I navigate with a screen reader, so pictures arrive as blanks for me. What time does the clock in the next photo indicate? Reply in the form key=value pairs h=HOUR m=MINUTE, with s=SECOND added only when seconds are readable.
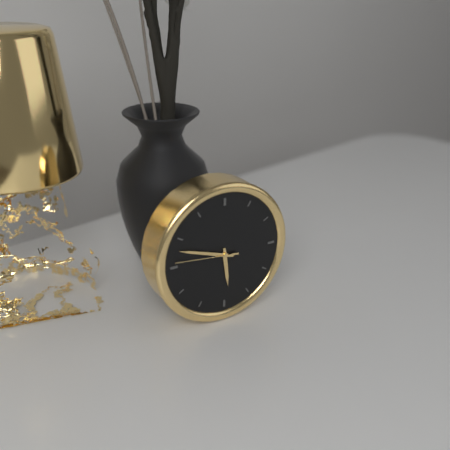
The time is h=5 m=48 s=46
